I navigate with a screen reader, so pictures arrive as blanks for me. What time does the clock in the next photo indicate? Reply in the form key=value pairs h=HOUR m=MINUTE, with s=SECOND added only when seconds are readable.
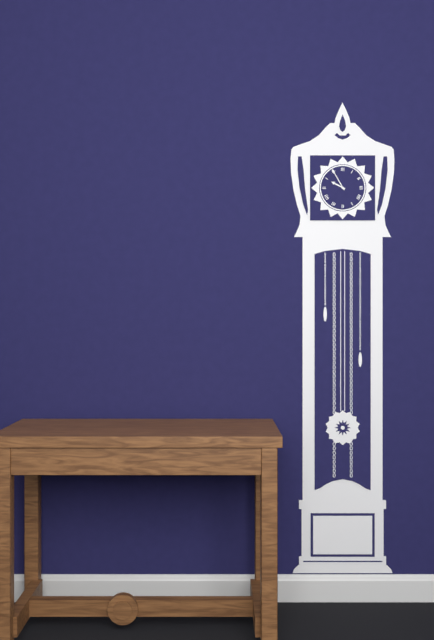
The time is h=9 m=55
